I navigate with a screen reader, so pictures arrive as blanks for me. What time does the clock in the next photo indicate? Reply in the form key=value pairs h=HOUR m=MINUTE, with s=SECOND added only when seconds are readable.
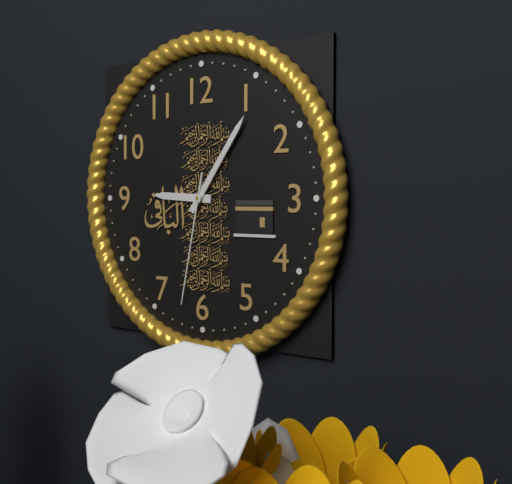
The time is h=9 m=6 s=32
